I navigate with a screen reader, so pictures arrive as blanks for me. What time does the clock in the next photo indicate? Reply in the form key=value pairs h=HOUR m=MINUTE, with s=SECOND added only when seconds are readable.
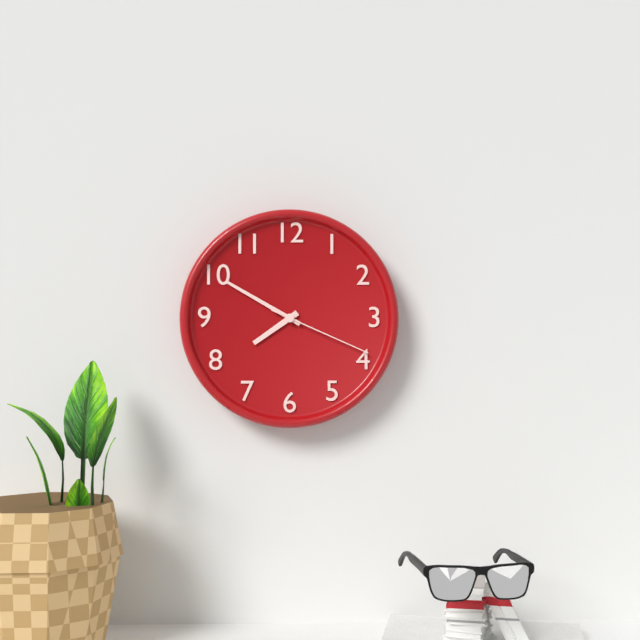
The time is h=7 m=50 s=19
